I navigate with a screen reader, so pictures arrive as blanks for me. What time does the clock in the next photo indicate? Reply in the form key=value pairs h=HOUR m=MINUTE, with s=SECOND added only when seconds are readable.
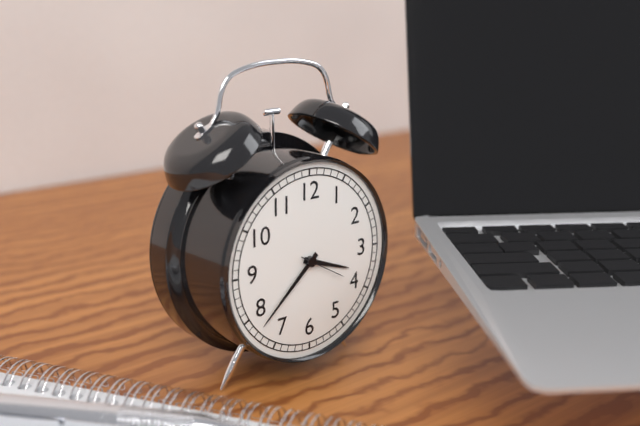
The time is h=3 m=38
